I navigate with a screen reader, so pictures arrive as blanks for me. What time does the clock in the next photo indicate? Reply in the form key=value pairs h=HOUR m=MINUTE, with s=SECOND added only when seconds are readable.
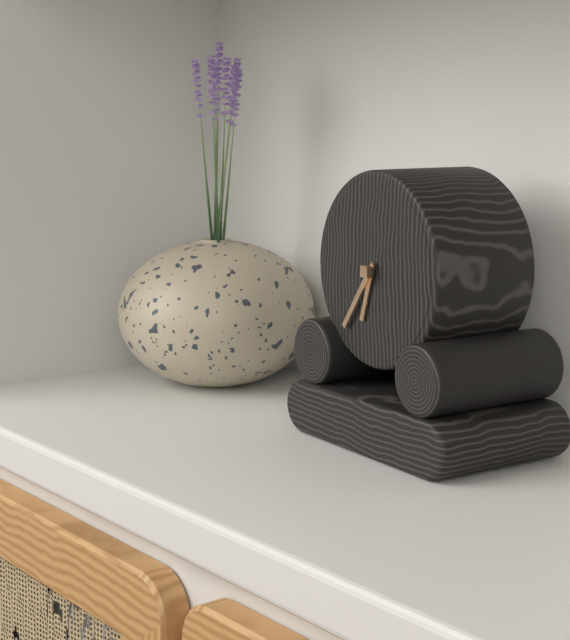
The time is h=6 m=36
